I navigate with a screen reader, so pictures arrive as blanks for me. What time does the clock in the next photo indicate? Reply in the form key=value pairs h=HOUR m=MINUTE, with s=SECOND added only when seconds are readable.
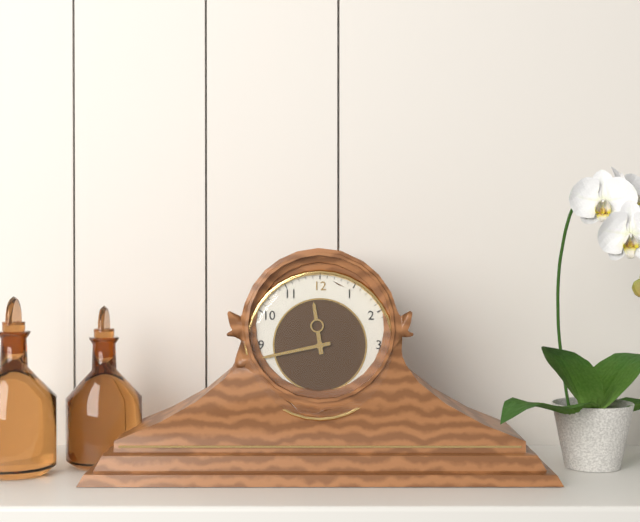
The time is h=11 m=43
